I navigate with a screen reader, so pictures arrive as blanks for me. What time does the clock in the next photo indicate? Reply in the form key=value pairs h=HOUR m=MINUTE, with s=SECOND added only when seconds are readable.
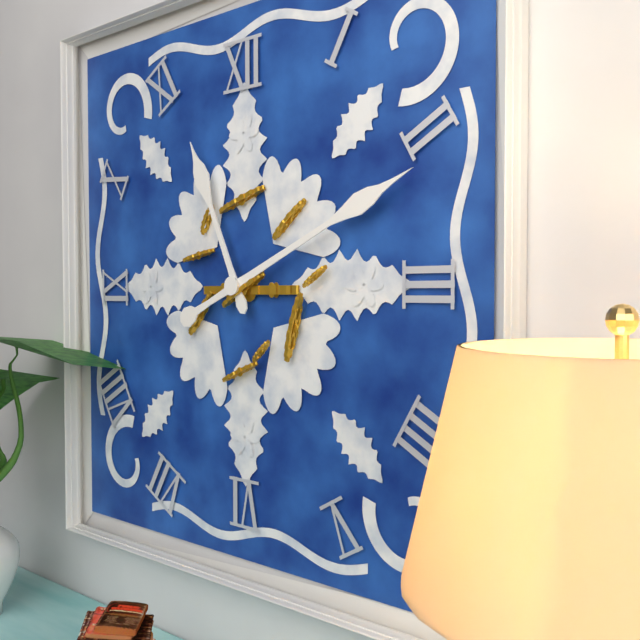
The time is h=11 m=11
